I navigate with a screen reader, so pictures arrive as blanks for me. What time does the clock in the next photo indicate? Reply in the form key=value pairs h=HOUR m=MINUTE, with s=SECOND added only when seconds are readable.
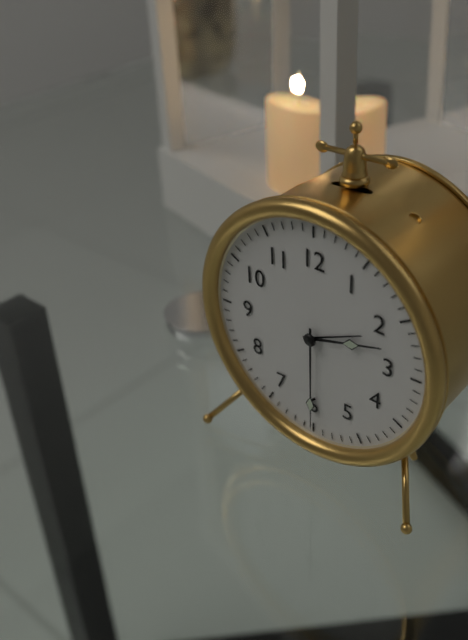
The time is h=2 m=30
